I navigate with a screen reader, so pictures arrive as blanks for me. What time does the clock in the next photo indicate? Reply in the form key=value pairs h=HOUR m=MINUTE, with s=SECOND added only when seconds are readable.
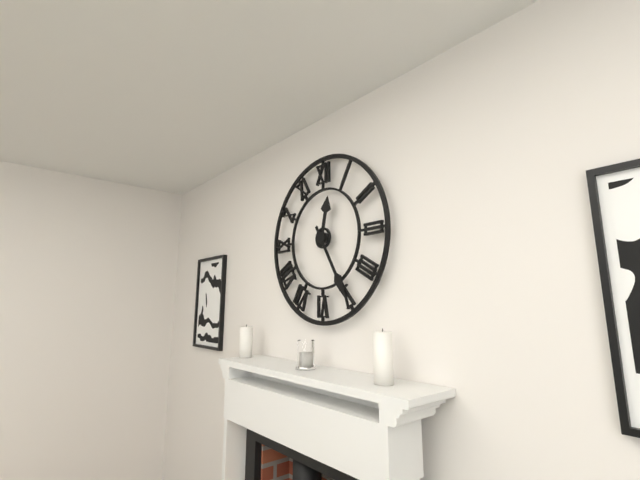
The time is h=12 m=25
